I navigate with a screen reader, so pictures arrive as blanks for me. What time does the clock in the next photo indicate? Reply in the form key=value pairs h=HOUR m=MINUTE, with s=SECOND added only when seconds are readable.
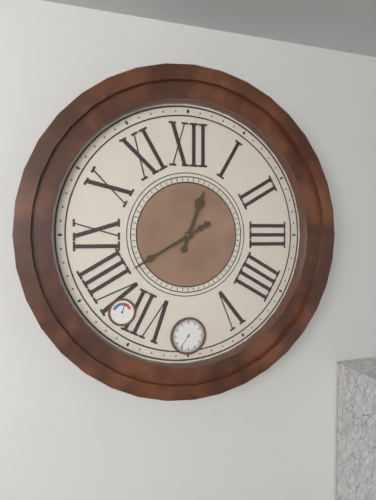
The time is h=12 m=40
